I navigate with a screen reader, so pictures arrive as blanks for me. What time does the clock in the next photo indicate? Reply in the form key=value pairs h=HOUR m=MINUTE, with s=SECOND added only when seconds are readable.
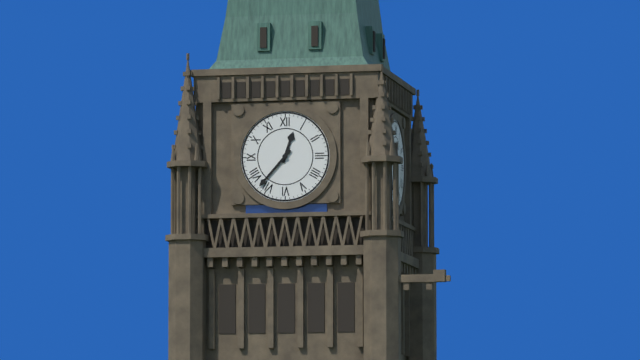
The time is h=12 m=37
